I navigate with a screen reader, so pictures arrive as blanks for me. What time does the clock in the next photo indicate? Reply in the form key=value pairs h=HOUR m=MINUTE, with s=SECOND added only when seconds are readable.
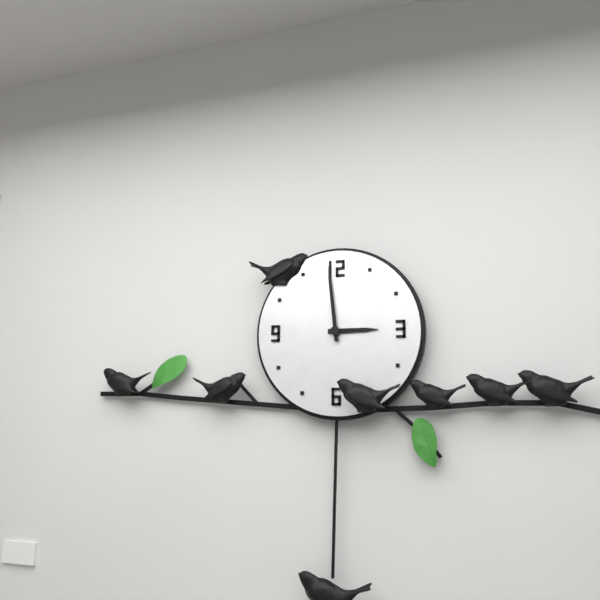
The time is h=2 m=59
